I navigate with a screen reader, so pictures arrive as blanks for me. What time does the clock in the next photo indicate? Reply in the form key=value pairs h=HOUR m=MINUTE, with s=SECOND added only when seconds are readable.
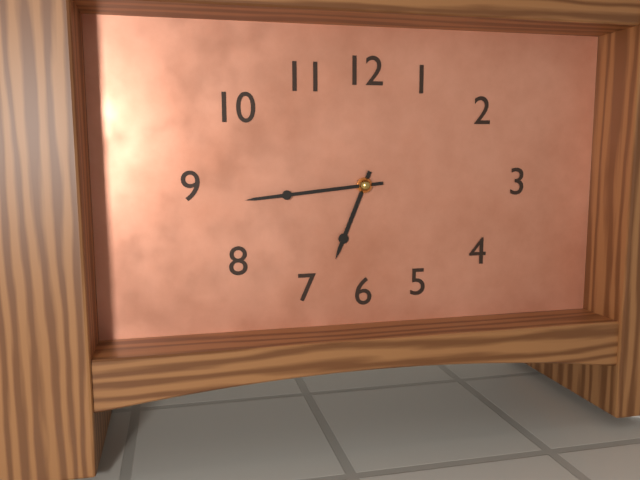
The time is h=6 m=44
